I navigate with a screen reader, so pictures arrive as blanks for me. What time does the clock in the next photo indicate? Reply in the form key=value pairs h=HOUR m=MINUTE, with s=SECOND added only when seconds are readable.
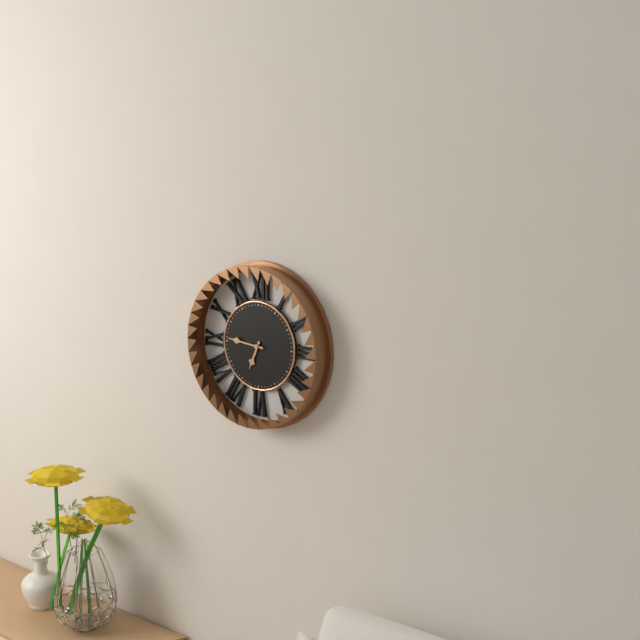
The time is h=6 m=46
